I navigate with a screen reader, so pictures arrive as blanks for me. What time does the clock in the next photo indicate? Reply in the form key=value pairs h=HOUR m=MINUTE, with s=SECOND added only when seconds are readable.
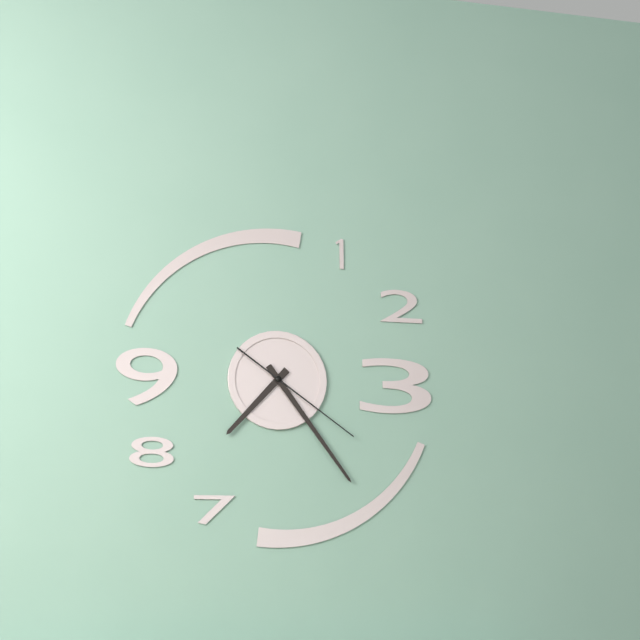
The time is h=7 m=24 s=21
